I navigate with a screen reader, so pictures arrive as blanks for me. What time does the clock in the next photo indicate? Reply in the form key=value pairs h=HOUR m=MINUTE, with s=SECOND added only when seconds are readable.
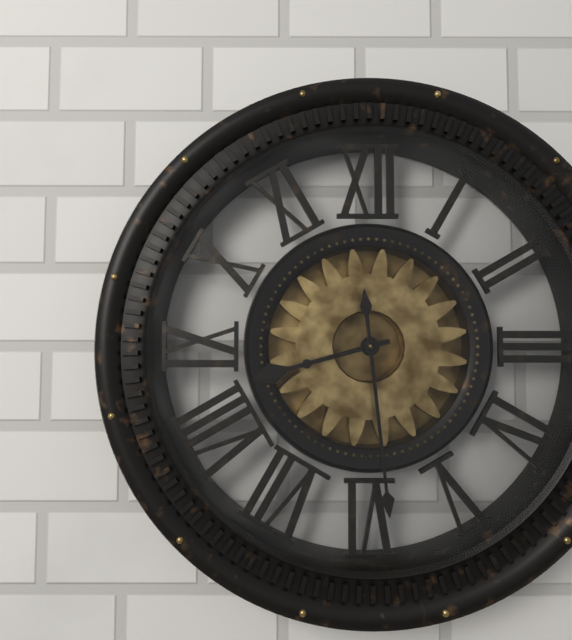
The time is h=8 m=29
